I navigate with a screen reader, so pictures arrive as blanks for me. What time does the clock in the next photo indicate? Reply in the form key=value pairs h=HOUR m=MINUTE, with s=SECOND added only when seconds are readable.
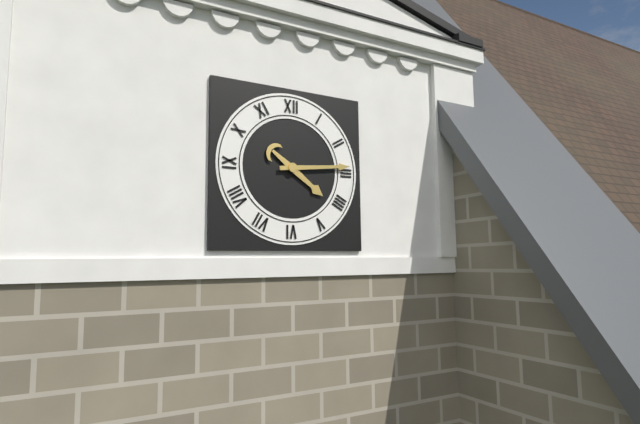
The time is h=4 m=14
